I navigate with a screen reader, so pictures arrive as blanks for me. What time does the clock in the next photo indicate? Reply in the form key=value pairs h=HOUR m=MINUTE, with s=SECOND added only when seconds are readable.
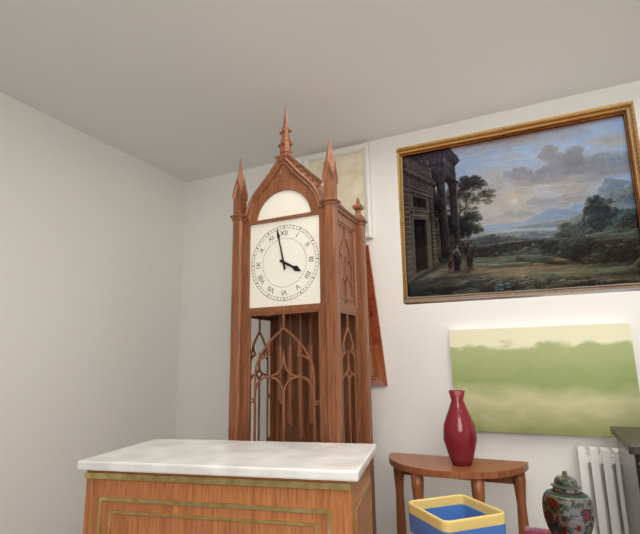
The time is h=3 m=58
